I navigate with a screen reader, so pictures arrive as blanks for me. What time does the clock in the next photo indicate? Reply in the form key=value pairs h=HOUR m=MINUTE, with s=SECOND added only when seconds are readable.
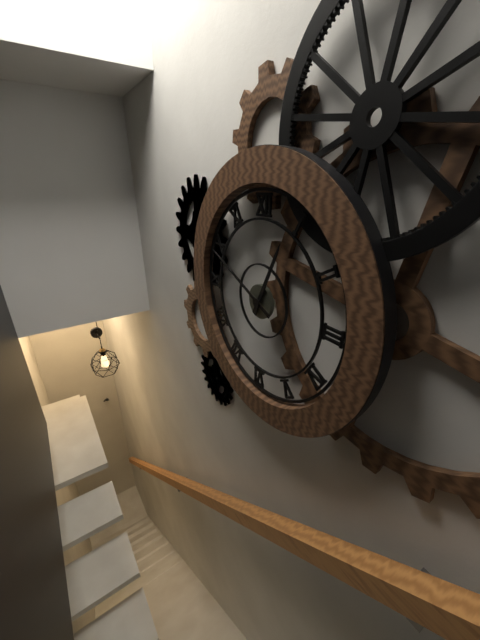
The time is h=12 m=49
